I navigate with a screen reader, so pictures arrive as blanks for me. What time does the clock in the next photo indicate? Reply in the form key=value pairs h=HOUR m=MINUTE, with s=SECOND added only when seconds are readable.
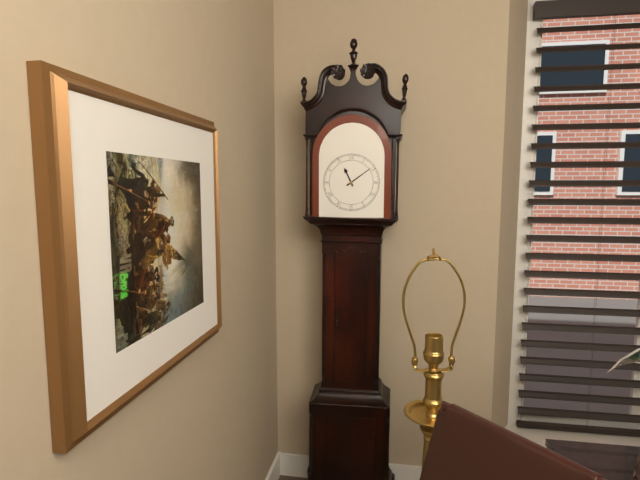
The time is h=11 m=9
